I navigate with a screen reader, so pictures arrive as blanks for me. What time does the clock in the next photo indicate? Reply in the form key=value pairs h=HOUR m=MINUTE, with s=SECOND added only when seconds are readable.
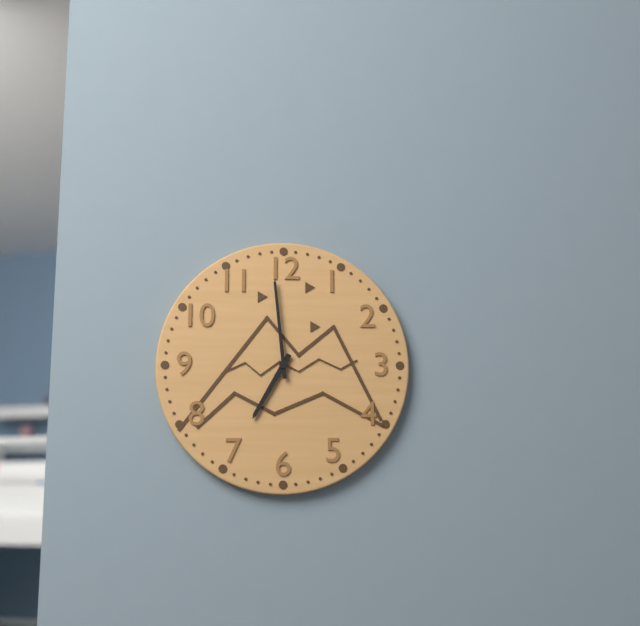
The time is h=6 m=59
